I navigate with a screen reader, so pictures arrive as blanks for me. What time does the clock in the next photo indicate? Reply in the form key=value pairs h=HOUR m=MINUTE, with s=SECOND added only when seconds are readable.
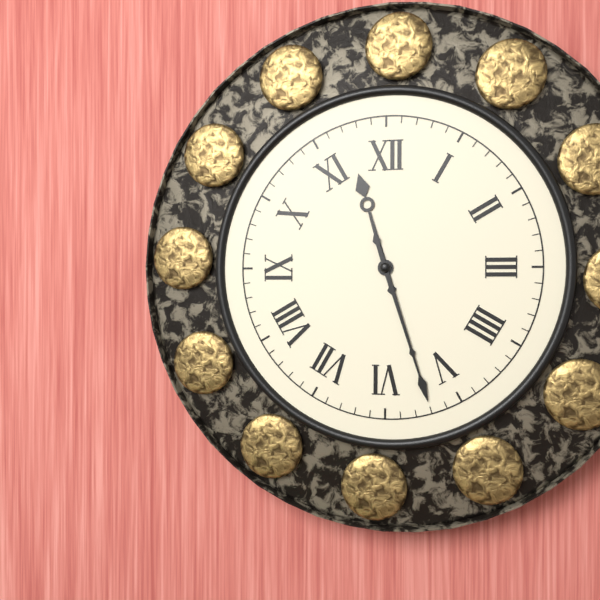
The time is h=11 m=27
